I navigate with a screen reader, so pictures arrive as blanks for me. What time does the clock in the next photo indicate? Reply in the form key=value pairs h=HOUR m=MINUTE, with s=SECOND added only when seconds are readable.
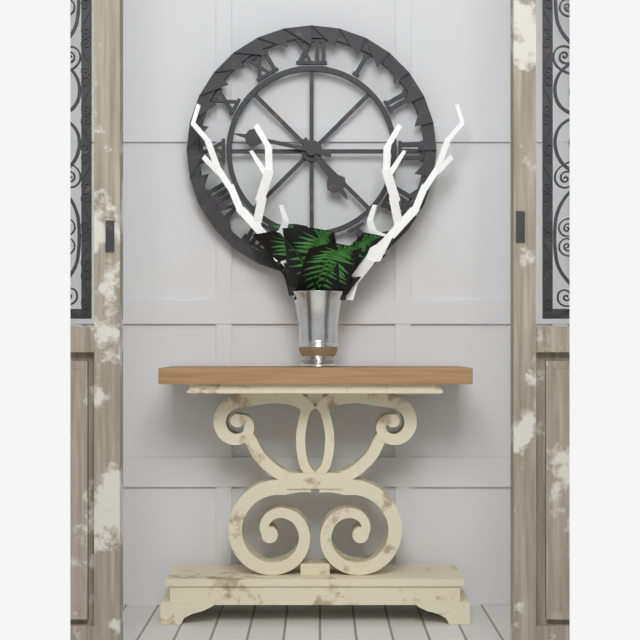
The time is h=4 m=47
